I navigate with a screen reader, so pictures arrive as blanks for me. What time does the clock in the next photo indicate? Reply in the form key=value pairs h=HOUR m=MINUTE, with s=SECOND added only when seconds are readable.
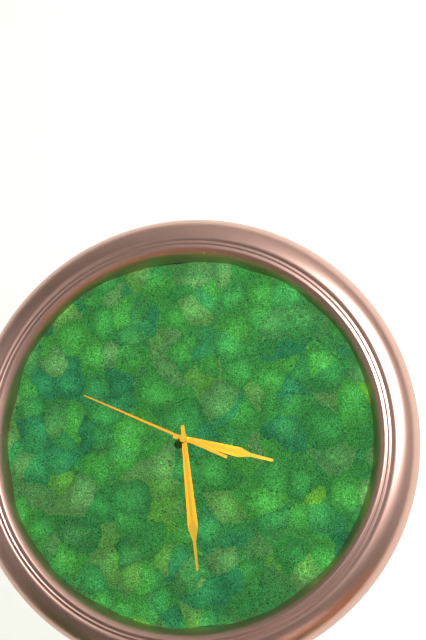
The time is h=3 m=29 s=49
